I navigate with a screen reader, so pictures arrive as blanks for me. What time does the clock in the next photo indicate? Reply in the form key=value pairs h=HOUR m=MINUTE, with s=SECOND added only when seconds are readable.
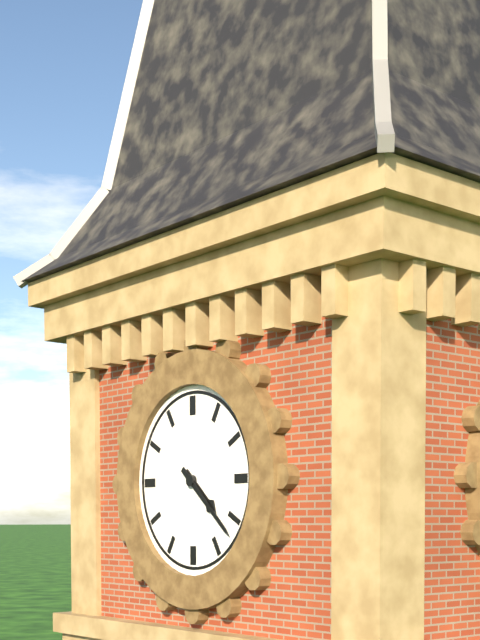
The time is h=4 m=22
